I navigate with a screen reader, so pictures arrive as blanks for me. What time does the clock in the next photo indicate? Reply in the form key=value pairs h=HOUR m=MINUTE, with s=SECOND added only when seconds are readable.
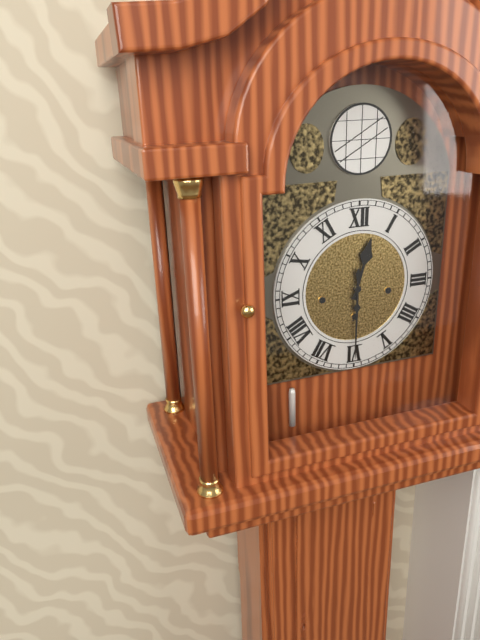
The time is h=12 m=30
